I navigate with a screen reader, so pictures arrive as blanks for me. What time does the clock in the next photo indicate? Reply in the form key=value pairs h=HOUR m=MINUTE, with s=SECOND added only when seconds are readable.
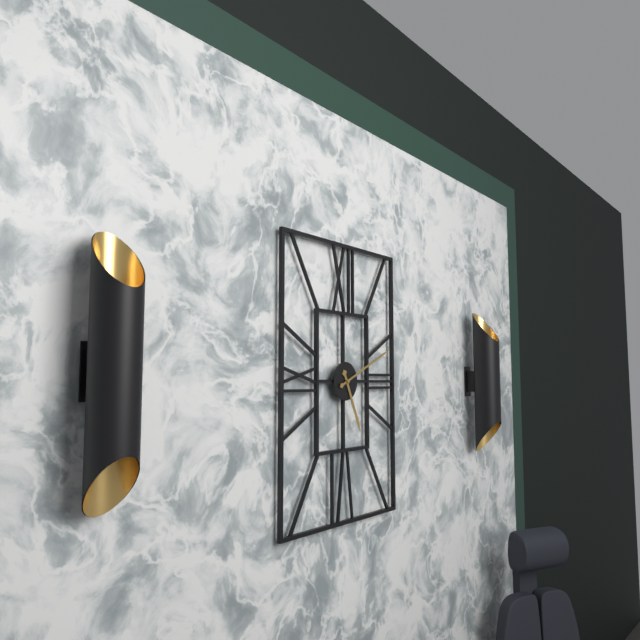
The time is h=5 m=11
